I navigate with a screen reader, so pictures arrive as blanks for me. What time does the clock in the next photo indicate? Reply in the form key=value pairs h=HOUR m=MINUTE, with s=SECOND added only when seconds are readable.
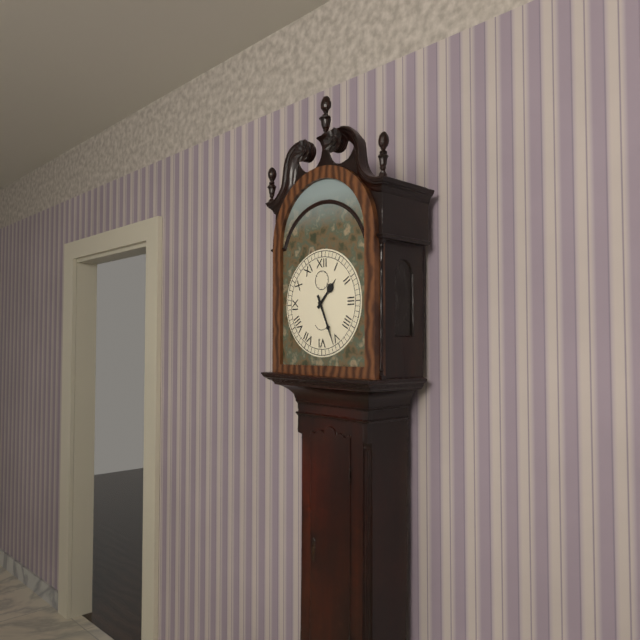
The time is h=1 m=26
